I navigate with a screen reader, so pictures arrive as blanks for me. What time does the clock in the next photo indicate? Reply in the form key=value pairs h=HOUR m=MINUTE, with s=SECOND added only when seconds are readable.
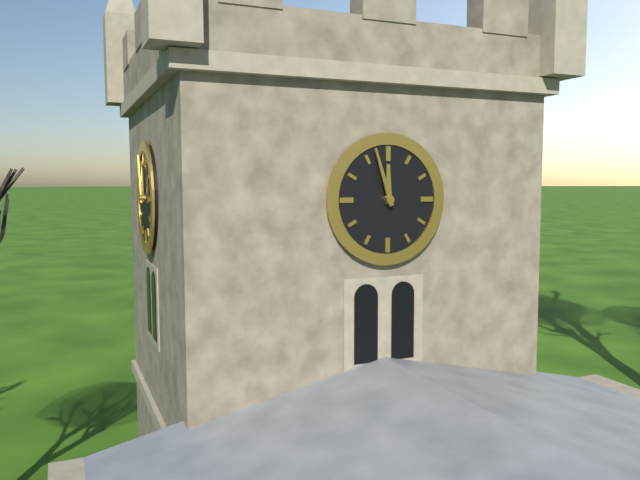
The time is h=11 m=57
